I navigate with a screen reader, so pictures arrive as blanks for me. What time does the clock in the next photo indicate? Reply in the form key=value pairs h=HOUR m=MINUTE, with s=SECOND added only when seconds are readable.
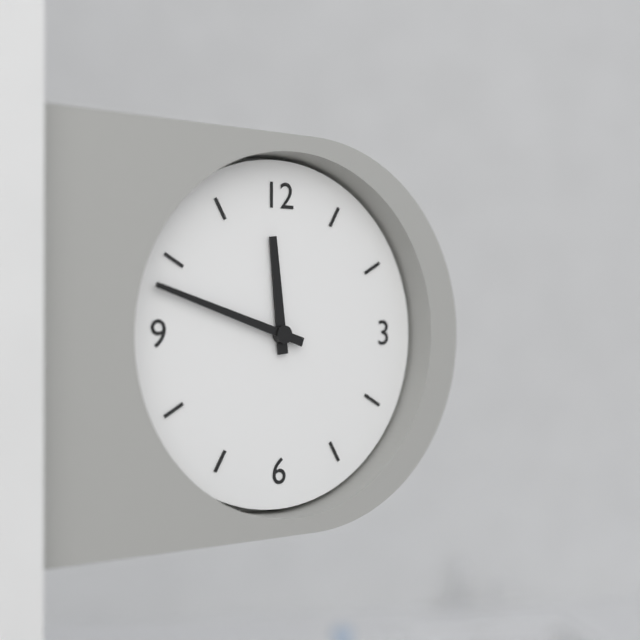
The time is h=11 m=48
